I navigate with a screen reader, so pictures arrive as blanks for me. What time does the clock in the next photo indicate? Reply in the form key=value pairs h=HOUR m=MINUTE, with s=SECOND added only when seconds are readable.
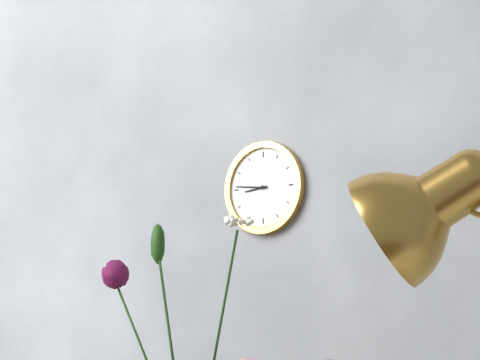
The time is h=8 m=46
